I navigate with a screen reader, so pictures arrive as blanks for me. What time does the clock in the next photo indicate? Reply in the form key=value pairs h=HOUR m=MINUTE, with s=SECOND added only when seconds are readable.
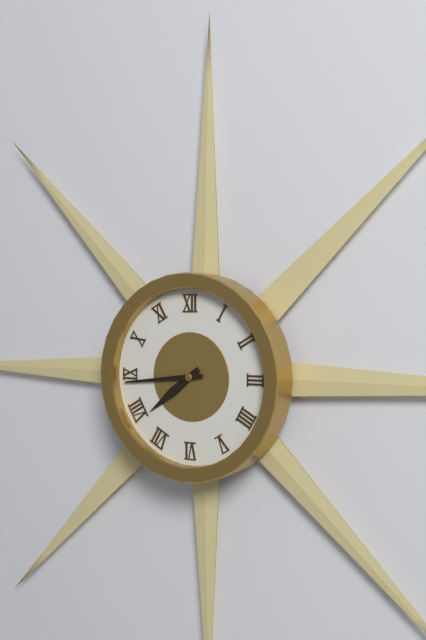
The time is h=7 m=44
